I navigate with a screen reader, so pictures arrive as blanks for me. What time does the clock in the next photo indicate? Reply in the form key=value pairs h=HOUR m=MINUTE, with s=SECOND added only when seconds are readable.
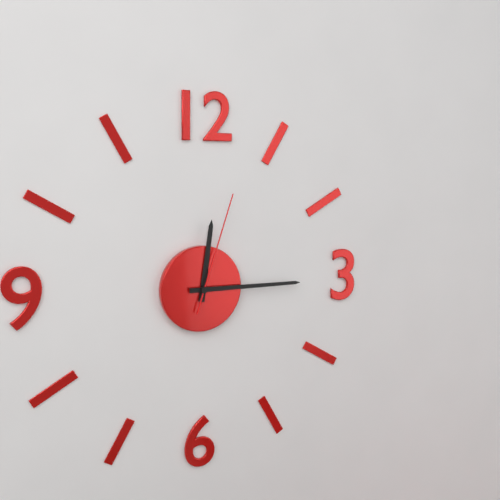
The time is h=12 m=15 s=3
